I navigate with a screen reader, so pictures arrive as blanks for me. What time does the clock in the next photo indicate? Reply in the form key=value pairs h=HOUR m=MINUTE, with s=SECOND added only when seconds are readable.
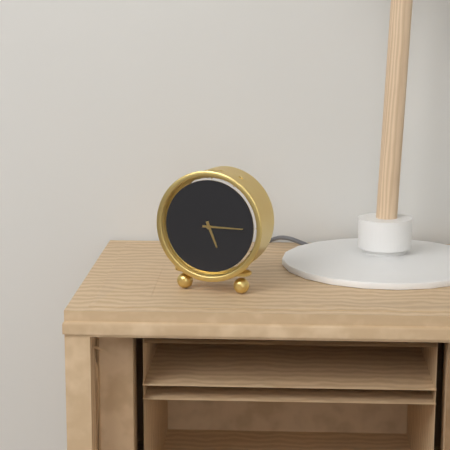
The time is h=5 m=15
